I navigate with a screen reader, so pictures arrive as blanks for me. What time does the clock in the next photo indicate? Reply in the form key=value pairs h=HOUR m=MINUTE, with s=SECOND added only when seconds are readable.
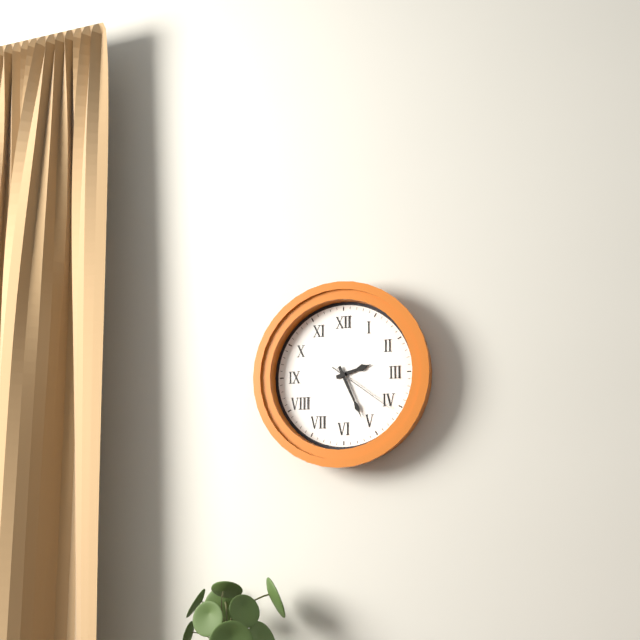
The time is h=2 m=26 s=21
